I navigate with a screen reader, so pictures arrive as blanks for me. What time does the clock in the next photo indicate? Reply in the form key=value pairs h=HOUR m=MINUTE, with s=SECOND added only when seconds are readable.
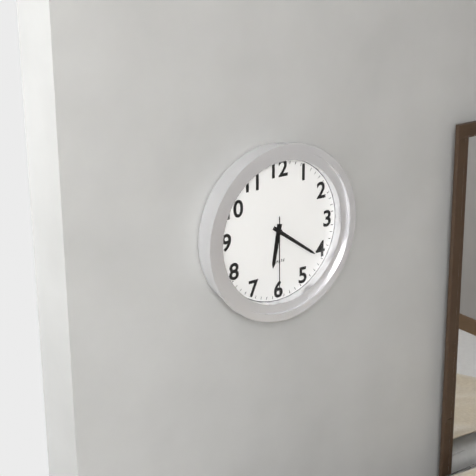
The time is h=6 m=21 s=30
